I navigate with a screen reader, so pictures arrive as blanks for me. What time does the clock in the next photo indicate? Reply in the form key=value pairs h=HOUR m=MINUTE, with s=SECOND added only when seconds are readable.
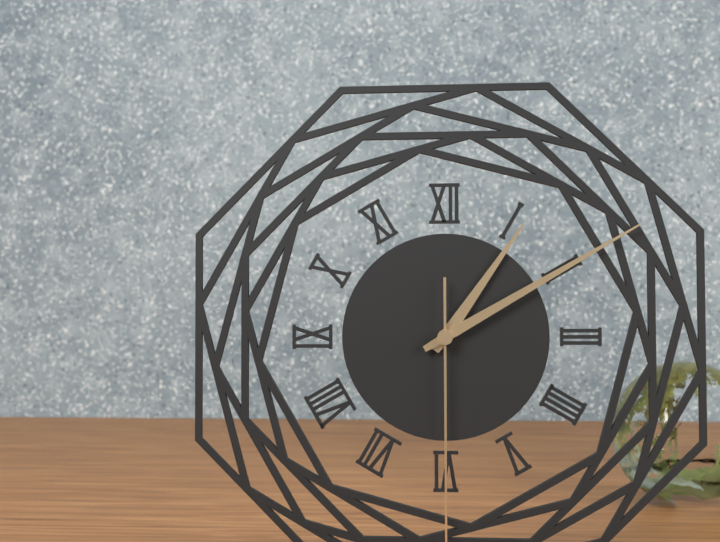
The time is h=1 m=10
